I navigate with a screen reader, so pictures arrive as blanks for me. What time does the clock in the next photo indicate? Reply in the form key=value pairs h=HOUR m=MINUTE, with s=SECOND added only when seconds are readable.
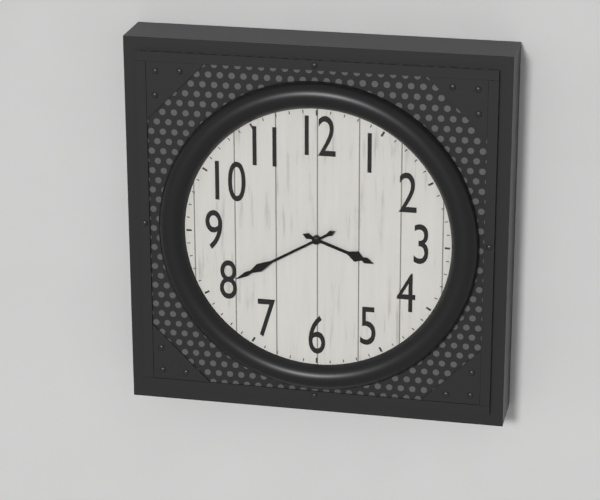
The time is h=3 m=40
